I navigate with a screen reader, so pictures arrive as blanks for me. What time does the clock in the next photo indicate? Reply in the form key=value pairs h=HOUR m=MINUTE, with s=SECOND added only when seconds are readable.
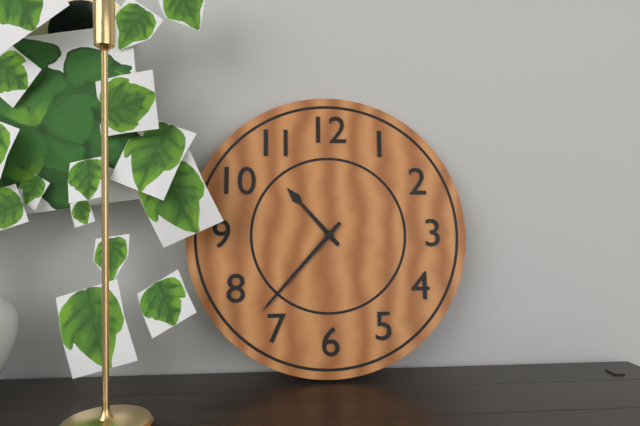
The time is h=10 m=37
